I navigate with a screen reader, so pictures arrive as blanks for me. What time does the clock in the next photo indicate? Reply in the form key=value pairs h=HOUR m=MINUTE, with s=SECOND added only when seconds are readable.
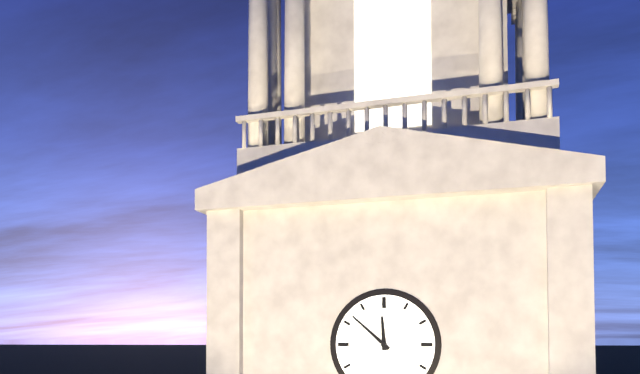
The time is h=11 m=52
